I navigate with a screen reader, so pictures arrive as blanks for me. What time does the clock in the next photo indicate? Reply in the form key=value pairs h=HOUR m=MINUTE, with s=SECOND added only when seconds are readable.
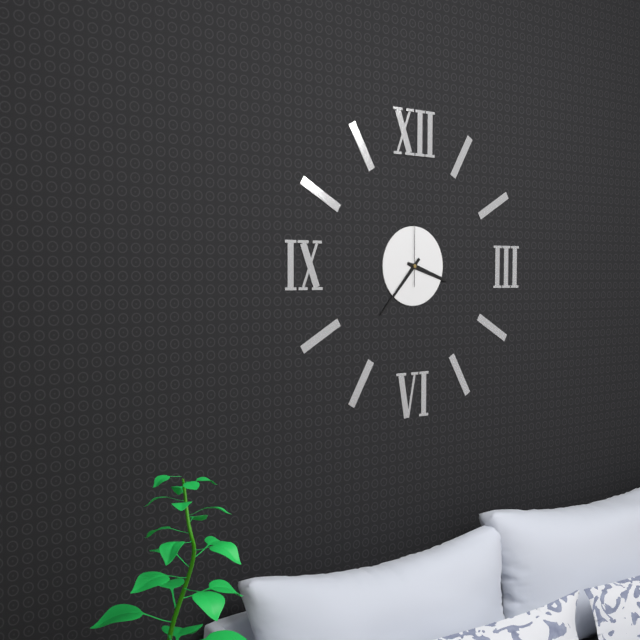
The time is h=3 m=37 s=0
